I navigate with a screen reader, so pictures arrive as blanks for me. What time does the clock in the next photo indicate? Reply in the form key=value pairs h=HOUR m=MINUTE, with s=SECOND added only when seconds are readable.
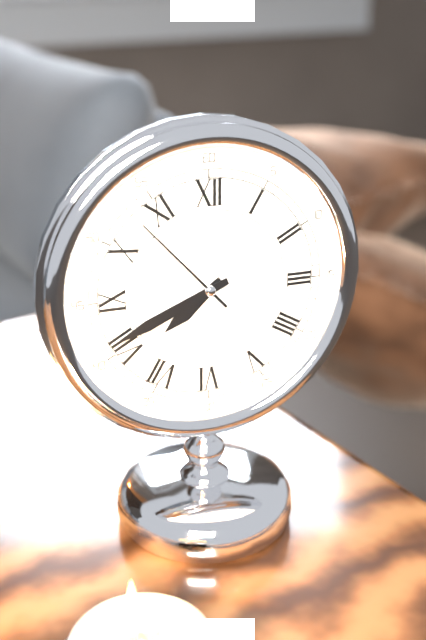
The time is h=7 m=41 s=53
